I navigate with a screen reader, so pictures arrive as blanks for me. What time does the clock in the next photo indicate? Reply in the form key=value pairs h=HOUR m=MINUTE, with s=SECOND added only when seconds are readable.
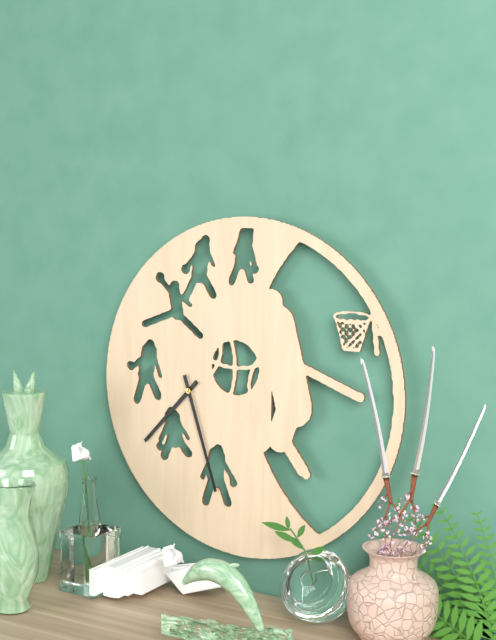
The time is h=7 m=27
